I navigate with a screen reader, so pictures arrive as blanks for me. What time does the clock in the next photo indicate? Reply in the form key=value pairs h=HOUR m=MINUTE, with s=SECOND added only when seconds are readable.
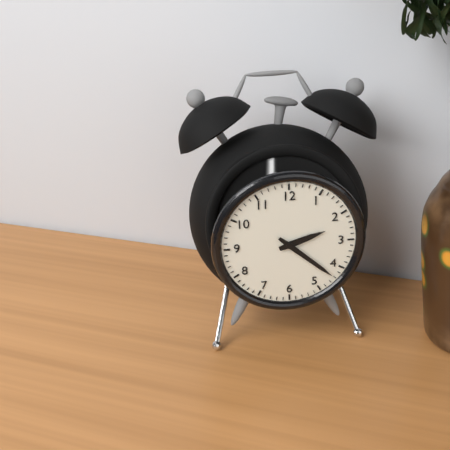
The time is h=2 m=22
